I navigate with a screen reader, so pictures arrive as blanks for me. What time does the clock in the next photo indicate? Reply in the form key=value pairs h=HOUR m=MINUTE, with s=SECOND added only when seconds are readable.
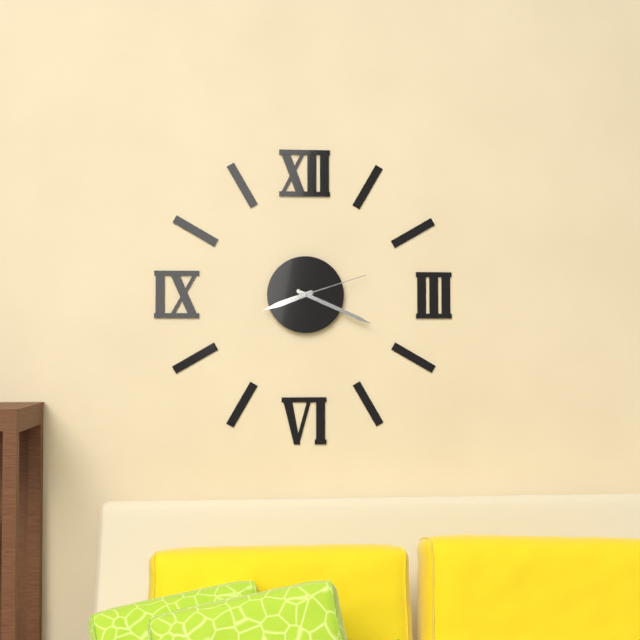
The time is h=8 m=19 s=12
